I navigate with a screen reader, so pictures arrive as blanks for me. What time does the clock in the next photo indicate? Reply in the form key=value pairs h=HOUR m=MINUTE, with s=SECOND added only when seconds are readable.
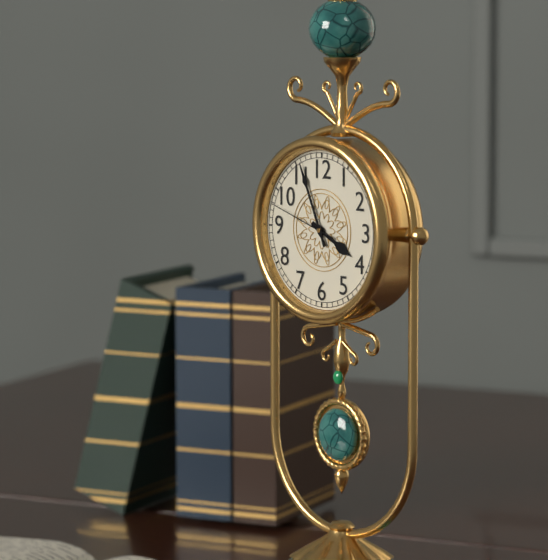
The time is h=3 m=56 s=48
